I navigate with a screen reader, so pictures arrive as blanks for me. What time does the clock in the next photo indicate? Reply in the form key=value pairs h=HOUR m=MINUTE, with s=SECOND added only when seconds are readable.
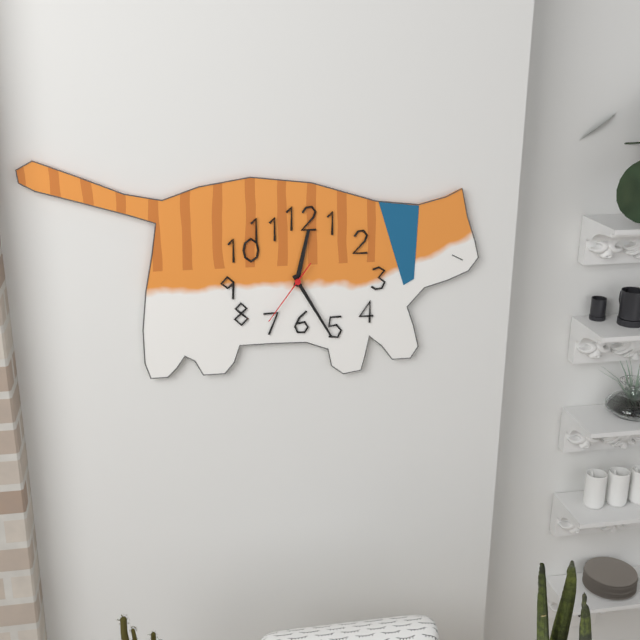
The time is h=12 m=25 s=36
